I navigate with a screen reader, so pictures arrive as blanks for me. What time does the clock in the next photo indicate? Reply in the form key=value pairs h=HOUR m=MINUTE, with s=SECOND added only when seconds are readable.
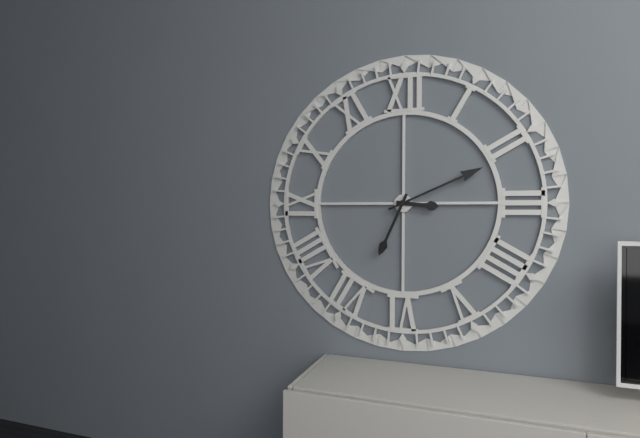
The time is h=3 m=11 s=34
